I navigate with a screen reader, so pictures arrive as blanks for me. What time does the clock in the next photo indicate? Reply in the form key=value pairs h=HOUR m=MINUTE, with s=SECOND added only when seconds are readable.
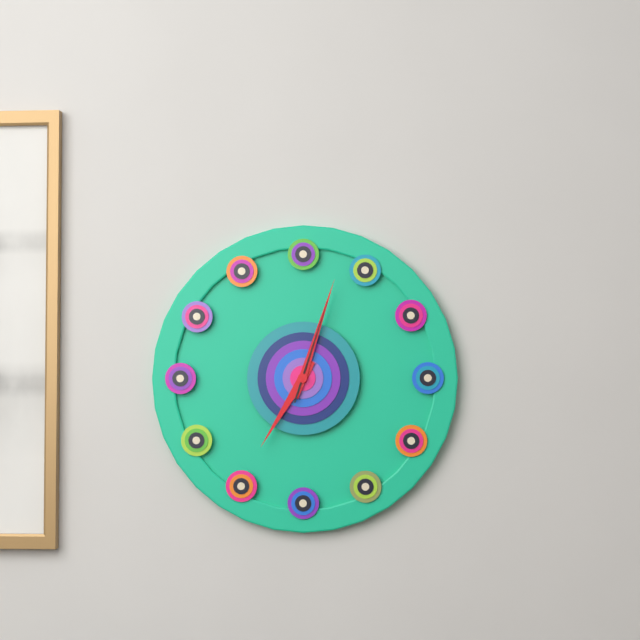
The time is h=7 m=3 s=3
